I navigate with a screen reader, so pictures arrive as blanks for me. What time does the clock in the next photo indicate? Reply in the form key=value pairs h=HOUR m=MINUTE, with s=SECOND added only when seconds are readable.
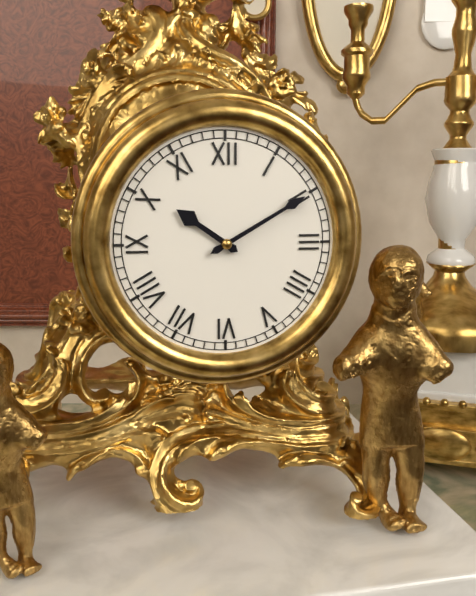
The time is h=10 m=10
